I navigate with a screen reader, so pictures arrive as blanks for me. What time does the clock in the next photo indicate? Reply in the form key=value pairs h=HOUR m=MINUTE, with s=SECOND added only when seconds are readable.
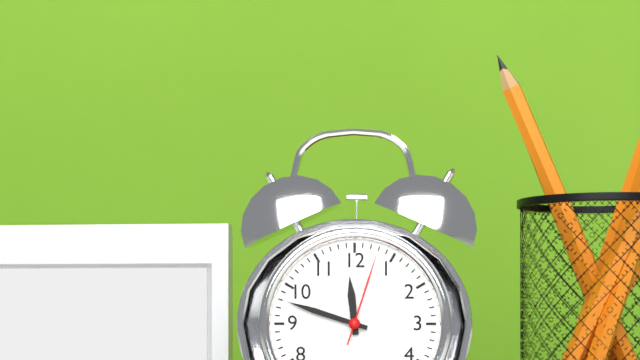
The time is h=11 m=48 s=3
